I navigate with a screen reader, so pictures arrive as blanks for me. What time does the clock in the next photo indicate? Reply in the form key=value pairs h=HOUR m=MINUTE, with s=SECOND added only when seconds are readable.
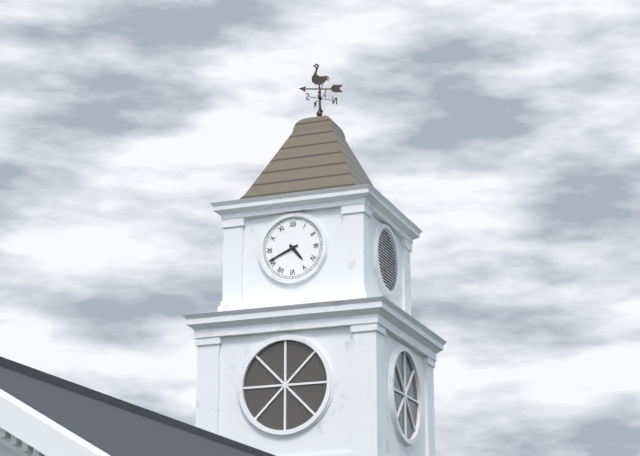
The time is h=4 m=41
